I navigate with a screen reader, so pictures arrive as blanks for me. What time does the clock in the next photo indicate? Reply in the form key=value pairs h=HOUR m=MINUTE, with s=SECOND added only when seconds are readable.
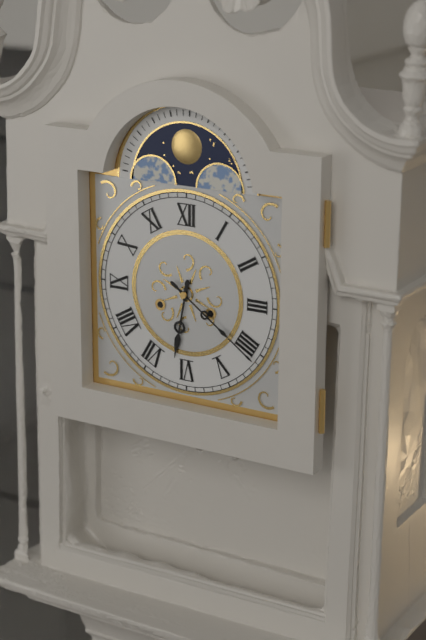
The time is h=6 m=21
